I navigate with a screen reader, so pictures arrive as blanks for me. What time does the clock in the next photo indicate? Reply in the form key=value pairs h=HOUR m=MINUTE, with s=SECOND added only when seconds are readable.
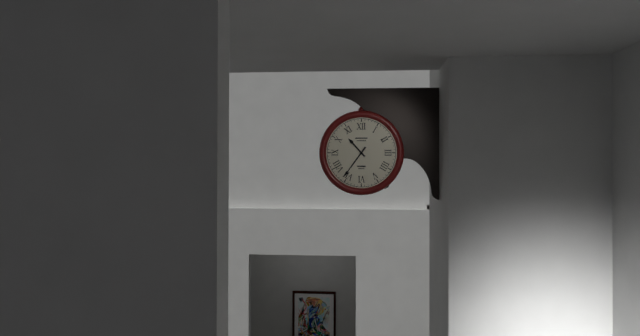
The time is h=10 m=36
